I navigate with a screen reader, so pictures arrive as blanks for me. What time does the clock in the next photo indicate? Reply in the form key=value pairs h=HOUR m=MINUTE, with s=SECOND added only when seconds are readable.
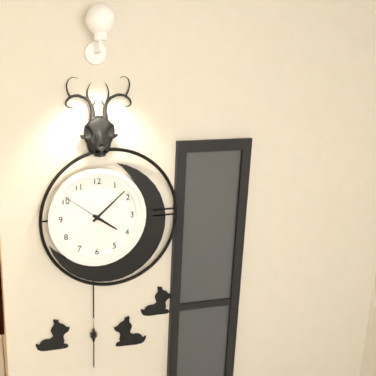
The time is h=4 m=8
